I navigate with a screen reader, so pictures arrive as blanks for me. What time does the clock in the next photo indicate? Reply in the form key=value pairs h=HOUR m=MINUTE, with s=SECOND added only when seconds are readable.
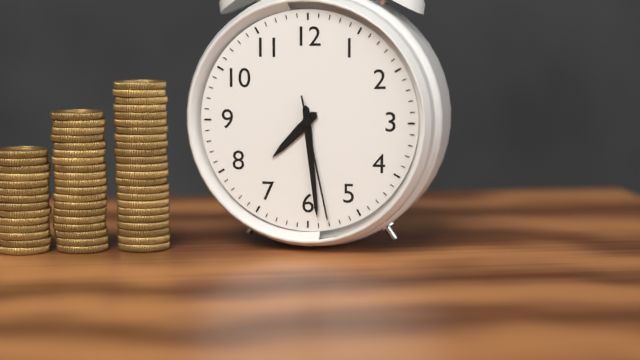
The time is h=7 m=29 s=28
